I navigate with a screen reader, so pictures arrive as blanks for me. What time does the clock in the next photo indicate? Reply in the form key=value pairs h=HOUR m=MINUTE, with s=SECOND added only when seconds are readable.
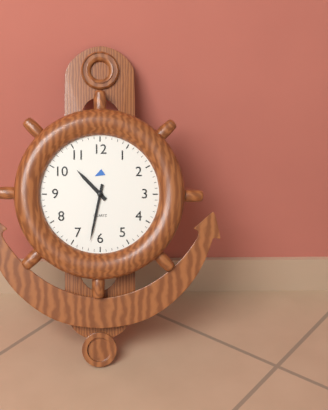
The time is h=10 m=32
